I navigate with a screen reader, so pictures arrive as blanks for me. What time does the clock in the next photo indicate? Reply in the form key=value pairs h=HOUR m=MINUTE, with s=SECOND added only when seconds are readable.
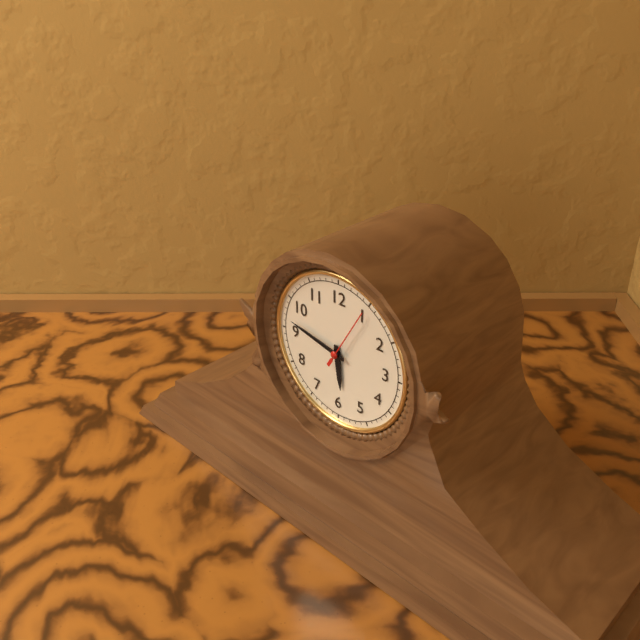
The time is h=5 m=47 s=5
